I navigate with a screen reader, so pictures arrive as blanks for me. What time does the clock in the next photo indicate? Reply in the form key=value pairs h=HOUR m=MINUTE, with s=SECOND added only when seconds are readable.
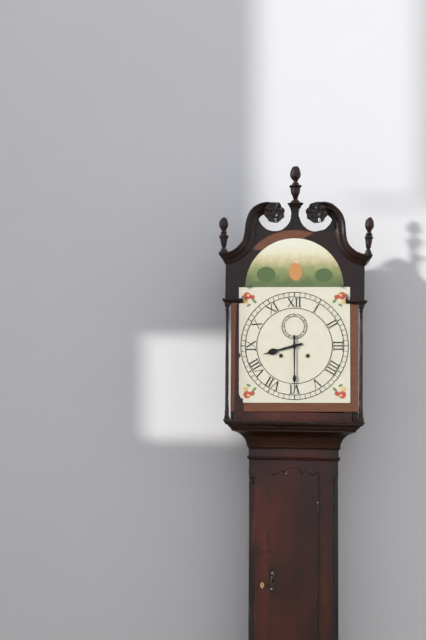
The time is h=8 m=30
